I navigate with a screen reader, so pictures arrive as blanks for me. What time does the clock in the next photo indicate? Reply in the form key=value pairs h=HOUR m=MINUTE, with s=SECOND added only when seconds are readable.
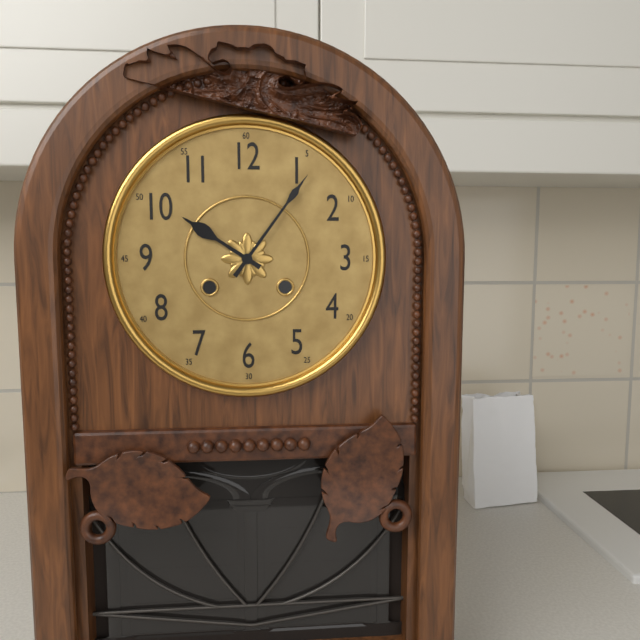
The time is h=10 m=6
